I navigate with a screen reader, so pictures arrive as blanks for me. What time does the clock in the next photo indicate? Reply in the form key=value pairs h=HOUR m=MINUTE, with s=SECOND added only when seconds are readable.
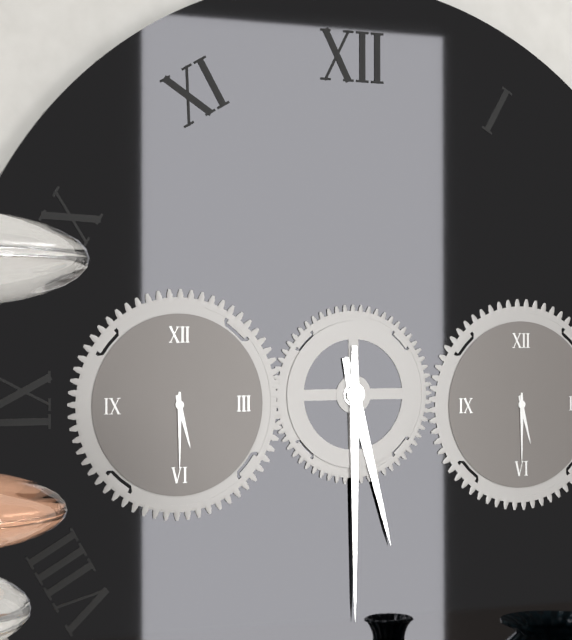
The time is h=5 m=30
